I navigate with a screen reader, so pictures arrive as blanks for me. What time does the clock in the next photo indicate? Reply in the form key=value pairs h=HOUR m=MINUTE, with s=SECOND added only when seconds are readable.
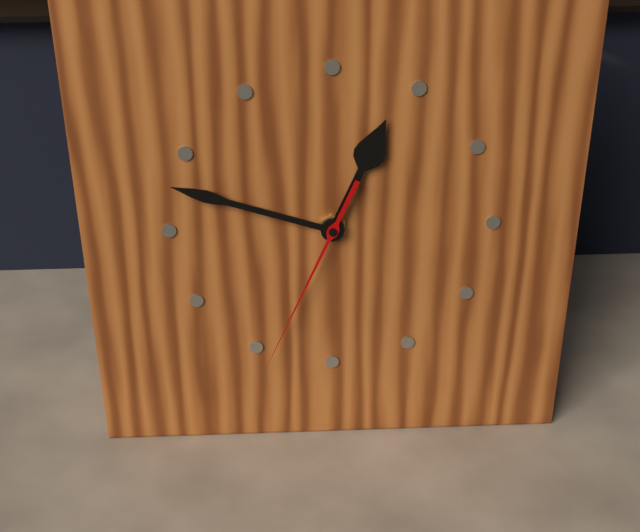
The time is h=12 m=48 s=34
